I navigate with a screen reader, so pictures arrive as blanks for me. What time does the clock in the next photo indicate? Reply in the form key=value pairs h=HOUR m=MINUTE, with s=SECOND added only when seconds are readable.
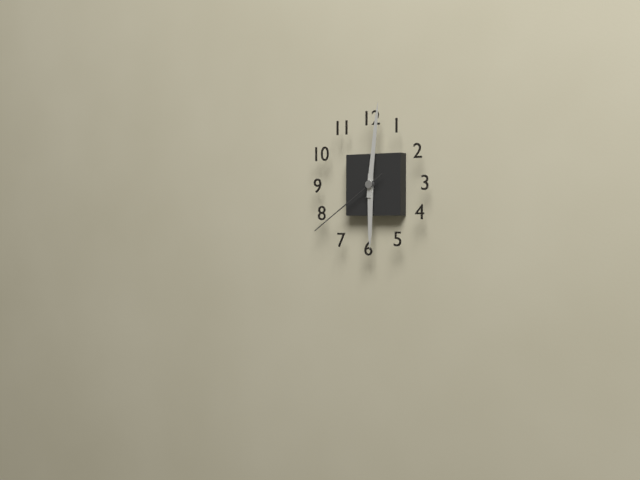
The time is h=6 m=1 s=39
